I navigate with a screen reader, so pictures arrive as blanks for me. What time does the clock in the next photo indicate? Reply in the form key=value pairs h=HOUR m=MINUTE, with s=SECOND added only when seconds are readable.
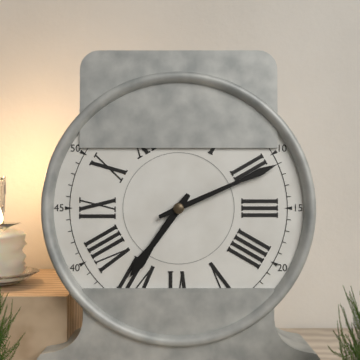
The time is h=7 m=11
